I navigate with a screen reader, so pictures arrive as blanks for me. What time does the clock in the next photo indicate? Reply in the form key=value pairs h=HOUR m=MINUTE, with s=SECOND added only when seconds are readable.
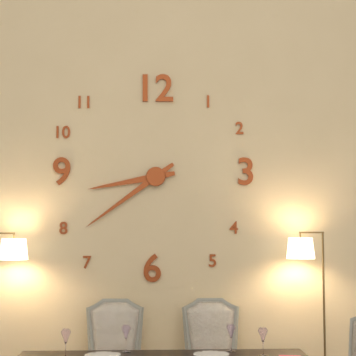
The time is h=8 m=39
